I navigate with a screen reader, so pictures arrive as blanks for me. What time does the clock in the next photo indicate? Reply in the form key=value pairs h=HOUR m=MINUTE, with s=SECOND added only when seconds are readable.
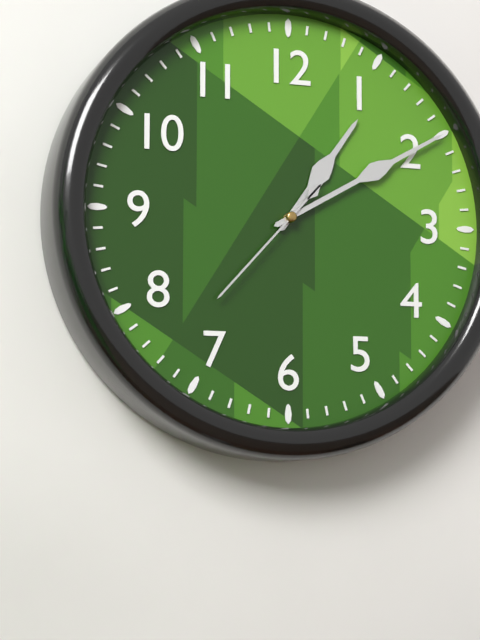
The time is h=1 m=10 s=37
